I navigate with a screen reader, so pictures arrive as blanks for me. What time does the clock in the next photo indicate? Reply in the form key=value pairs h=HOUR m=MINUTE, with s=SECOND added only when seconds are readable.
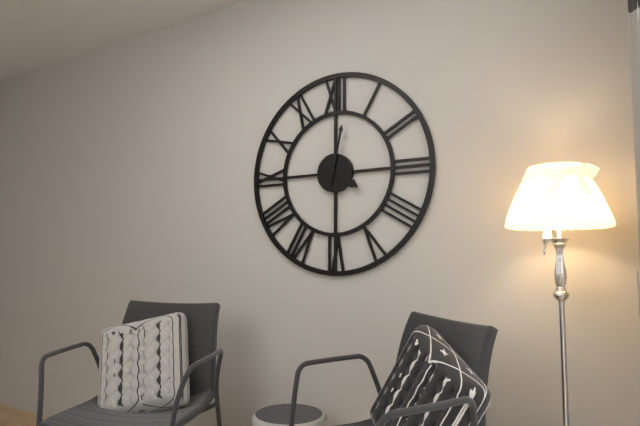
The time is h=4 m=2
